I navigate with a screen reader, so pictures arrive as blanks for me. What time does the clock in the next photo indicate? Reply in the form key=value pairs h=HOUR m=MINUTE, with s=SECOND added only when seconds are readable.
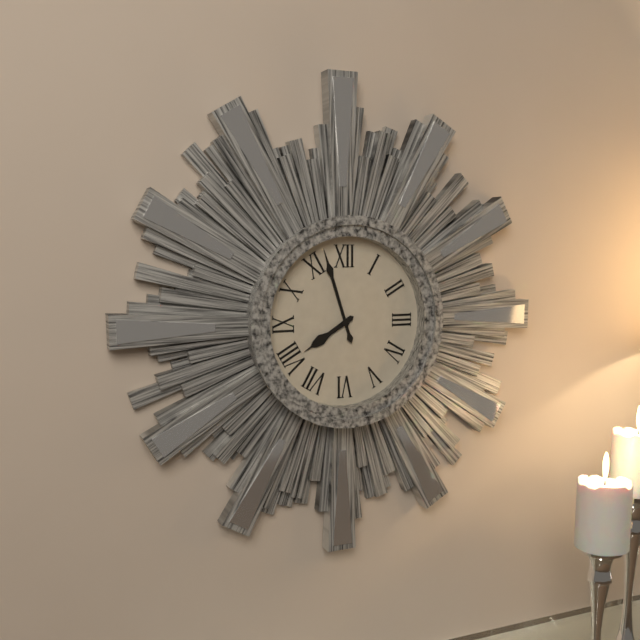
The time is h=7 m=57
